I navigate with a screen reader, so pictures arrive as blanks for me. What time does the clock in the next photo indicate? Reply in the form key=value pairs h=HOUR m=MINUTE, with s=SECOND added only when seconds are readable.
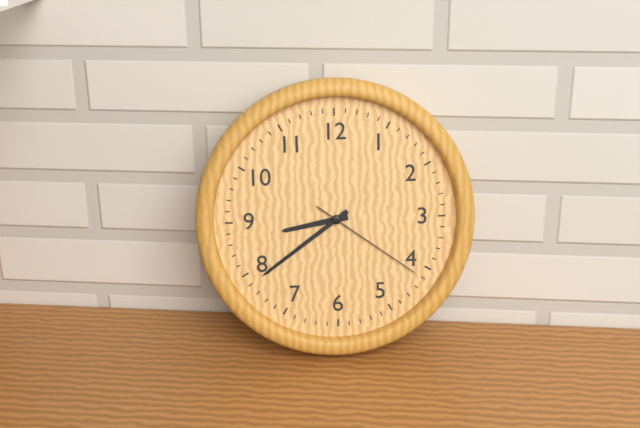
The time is h=8 m=39 s=21
